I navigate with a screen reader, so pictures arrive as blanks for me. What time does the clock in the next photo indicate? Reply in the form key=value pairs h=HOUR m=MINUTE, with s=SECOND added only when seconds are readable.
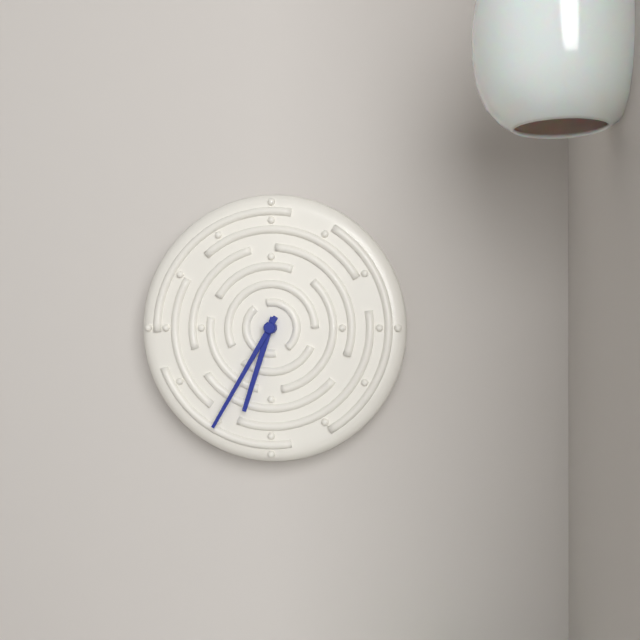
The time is h=6 m=35
